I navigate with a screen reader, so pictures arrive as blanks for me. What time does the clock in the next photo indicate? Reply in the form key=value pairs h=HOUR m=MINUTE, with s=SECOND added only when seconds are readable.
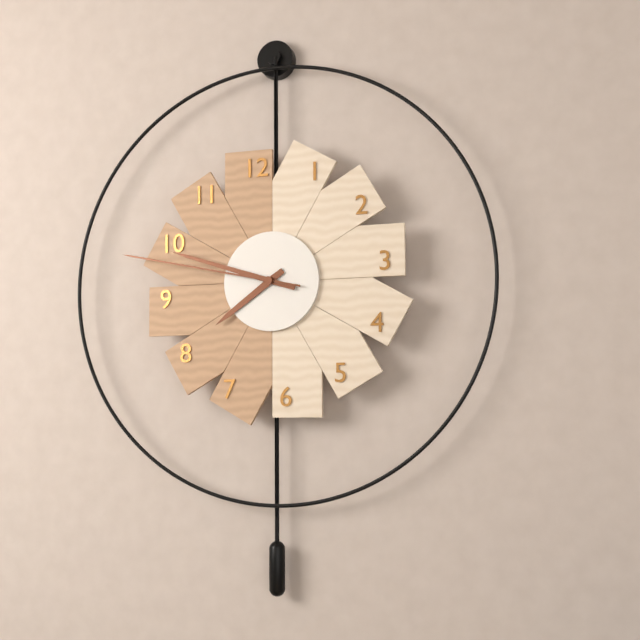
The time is h=7 m=48 s=47
